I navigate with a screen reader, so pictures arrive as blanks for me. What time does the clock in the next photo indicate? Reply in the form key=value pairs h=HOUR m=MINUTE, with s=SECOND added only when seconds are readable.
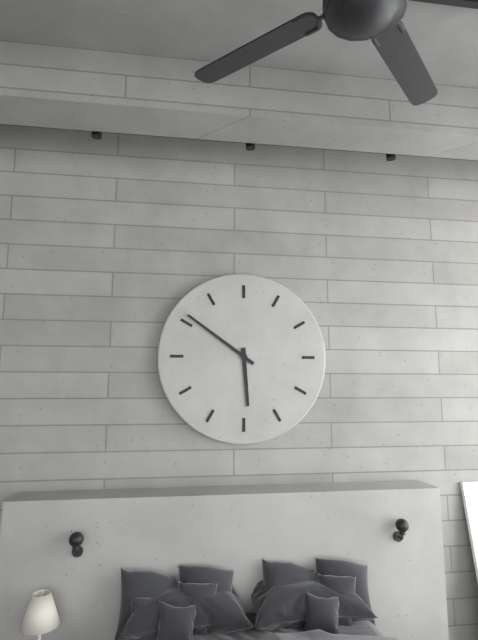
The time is h=5 m=51
